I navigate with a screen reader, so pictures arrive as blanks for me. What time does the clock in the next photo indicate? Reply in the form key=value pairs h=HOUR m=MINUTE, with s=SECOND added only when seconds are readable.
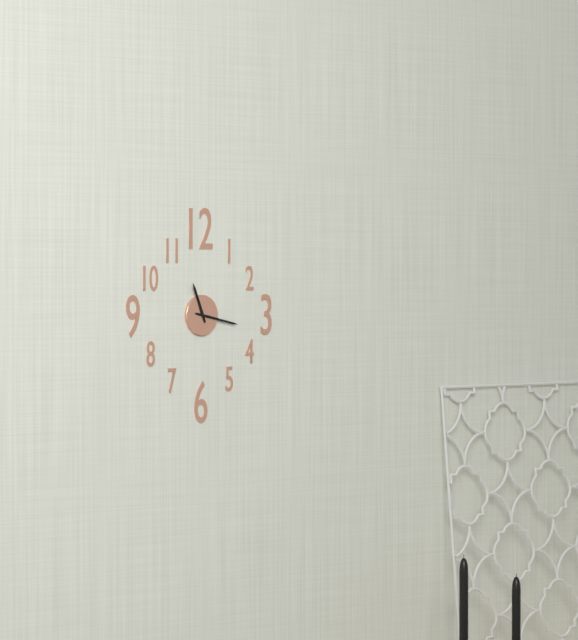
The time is h=11 m=17
